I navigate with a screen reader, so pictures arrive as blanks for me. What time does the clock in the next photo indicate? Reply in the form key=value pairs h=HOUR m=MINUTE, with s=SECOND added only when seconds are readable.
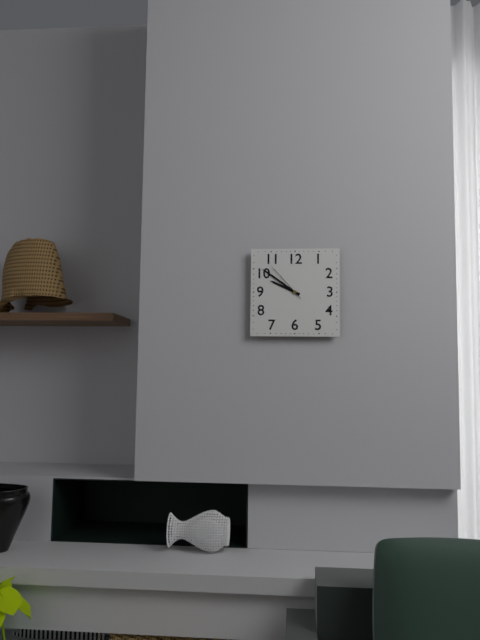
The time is h=9 m=51
